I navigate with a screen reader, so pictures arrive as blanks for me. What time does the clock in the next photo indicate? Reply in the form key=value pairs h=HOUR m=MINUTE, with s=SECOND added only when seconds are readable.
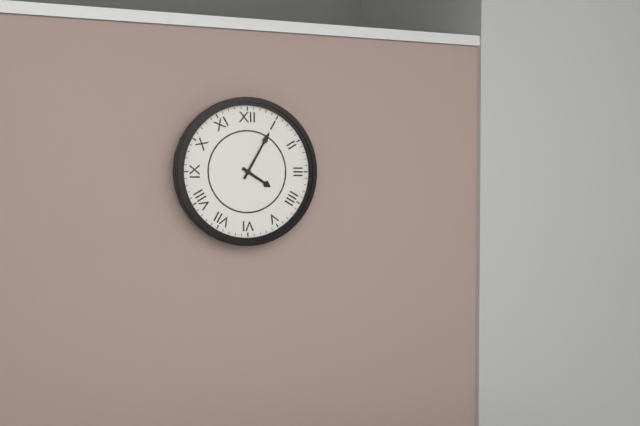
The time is h=4 m=5
